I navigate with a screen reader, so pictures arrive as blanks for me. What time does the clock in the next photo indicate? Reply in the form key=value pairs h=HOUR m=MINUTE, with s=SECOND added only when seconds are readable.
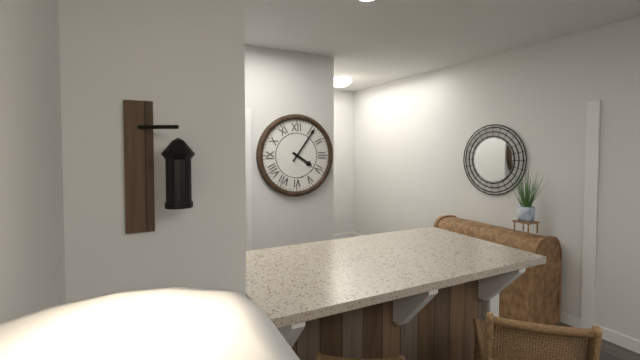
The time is h=4 m=6
